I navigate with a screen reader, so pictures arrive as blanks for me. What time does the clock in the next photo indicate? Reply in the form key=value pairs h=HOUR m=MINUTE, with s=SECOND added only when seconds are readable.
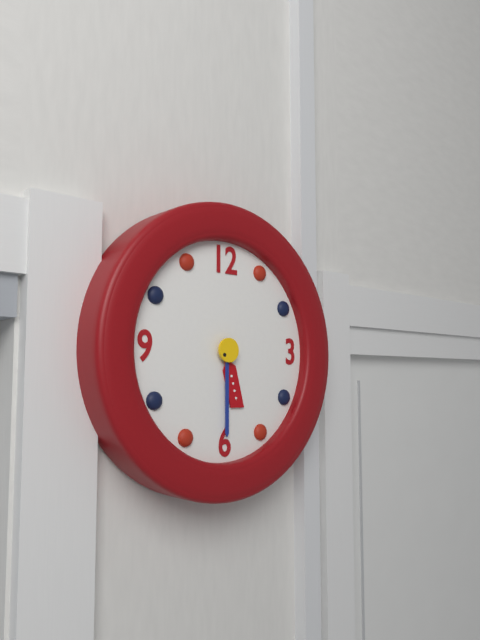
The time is h=5 m=30
